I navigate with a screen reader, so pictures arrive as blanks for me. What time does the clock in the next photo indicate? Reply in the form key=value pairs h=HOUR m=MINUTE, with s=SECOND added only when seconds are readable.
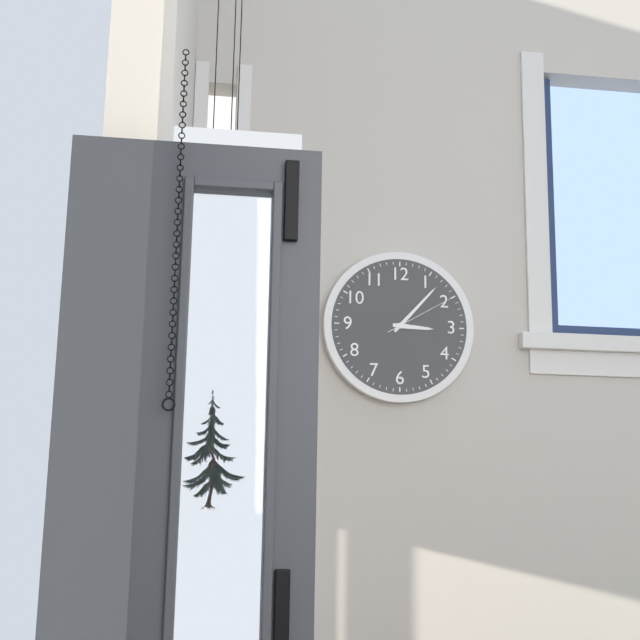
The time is h=3 m=7 s=10
